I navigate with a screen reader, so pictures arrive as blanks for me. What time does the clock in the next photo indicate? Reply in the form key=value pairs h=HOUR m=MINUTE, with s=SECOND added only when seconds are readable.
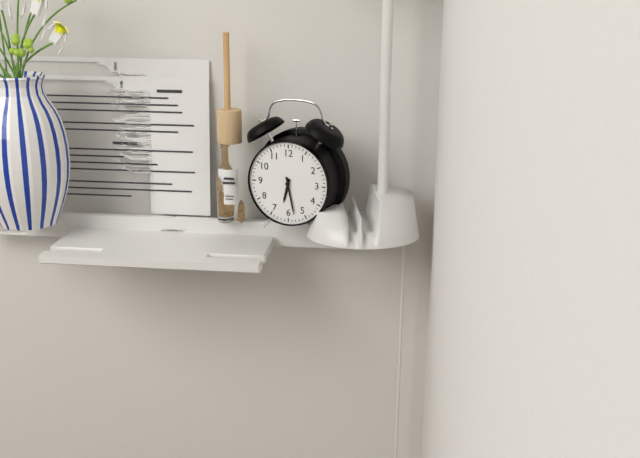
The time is h=6 m=28
